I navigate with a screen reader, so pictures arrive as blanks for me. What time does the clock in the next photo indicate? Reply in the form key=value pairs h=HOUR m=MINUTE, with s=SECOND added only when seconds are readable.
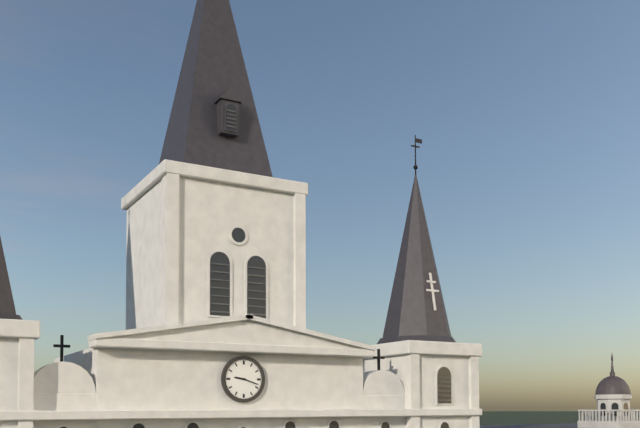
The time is h=9 m=18
